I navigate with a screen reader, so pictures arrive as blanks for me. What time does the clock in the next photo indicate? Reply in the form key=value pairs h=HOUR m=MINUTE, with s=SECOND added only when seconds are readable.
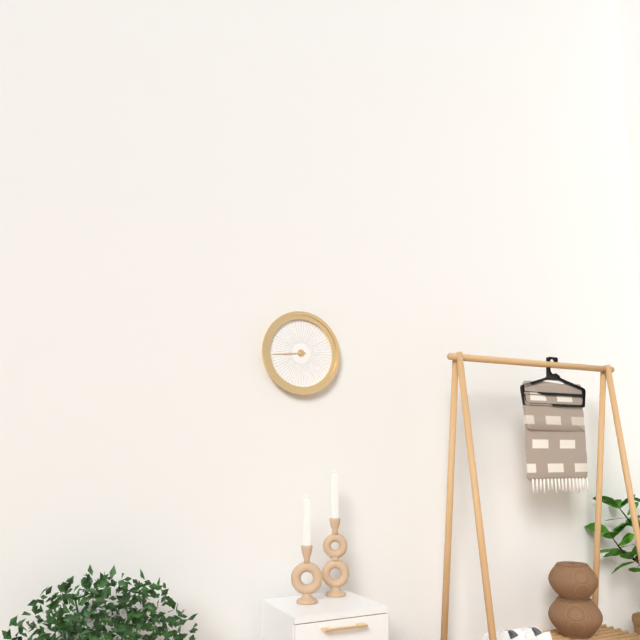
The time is h=8 m=44
